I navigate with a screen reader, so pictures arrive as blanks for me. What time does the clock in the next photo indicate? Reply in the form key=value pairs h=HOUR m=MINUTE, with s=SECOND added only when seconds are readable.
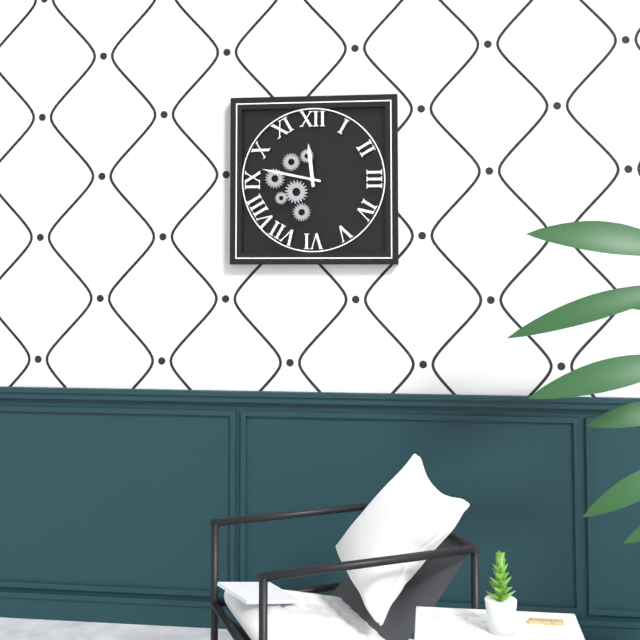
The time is h=11 m=47
